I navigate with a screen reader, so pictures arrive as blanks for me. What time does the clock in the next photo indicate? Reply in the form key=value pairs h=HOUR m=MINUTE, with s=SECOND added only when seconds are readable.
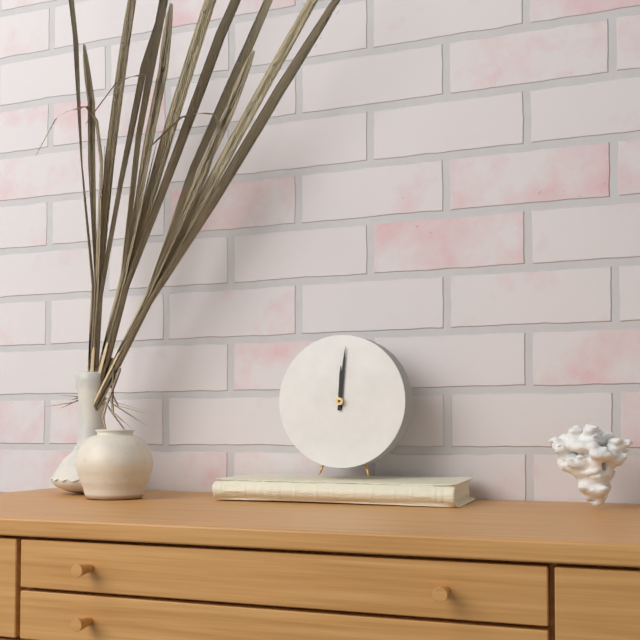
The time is h=12 m=1
